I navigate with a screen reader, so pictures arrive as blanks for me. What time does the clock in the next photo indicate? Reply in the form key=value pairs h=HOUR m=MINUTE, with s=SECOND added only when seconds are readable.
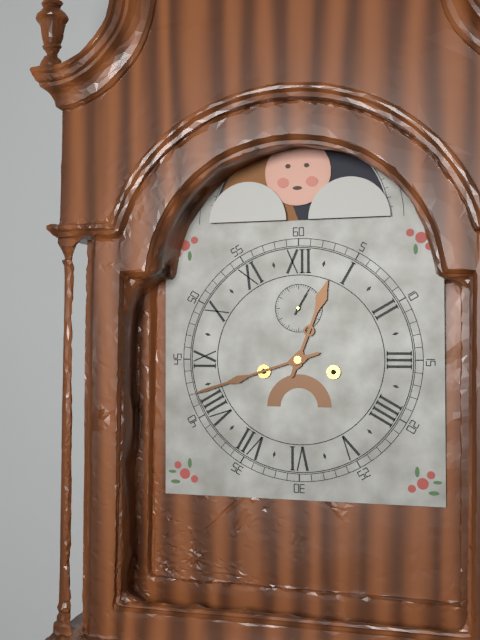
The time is h=12 m=42
